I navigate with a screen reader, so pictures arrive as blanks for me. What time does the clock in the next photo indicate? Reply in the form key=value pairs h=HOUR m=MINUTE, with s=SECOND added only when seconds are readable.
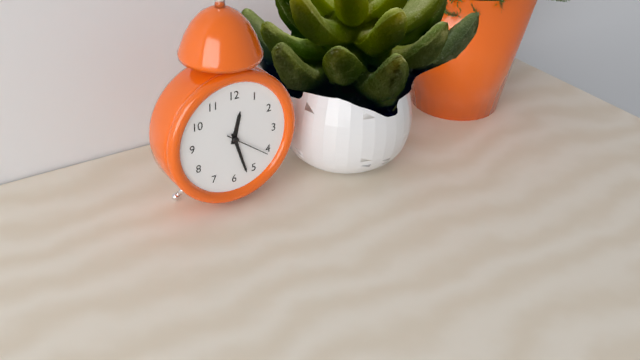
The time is h=12 m=27
